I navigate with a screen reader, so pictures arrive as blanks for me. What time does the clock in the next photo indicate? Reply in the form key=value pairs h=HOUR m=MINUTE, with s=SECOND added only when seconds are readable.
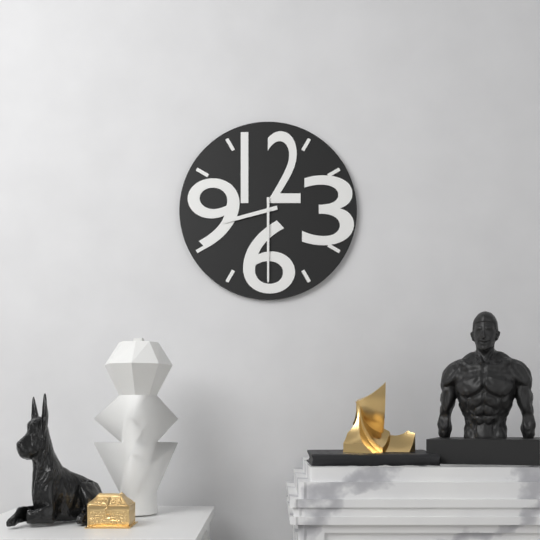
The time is h=8 m=30
